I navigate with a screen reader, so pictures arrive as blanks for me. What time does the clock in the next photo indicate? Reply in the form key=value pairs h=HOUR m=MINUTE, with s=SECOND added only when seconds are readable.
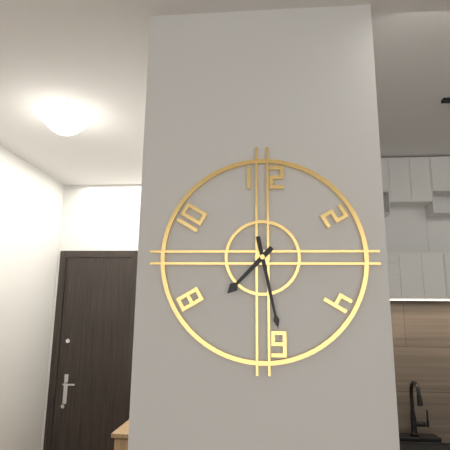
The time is h=7 m=28
